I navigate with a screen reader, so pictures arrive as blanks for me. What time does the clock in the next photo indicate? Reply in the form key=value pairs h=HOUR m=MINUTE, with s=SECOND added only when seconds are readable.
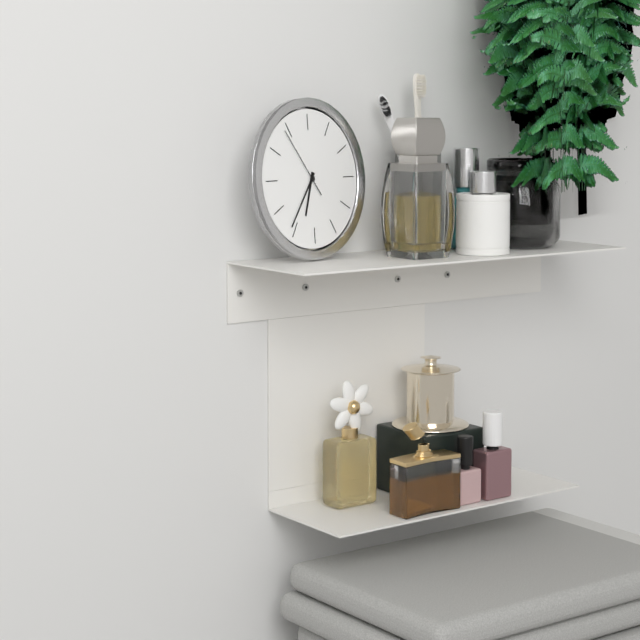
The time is h=6 m=36 s=54
